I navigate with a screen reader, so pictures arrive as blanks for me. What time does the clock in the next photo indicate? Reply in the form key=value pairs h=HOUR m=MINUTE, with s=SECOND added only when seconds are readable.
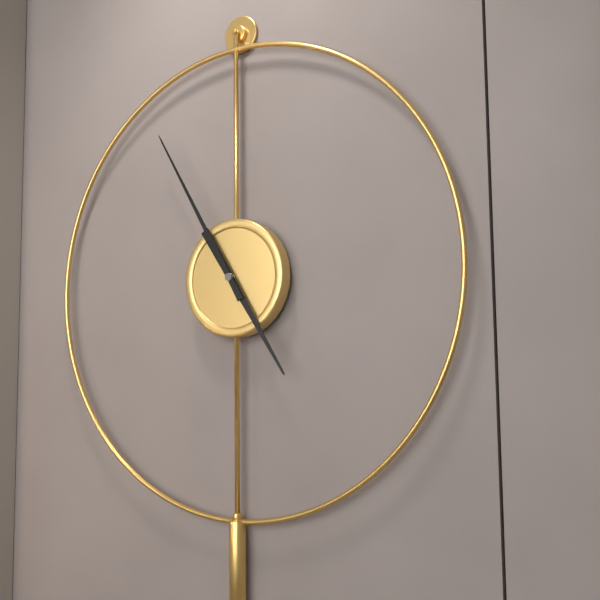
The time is h=4 m=55
